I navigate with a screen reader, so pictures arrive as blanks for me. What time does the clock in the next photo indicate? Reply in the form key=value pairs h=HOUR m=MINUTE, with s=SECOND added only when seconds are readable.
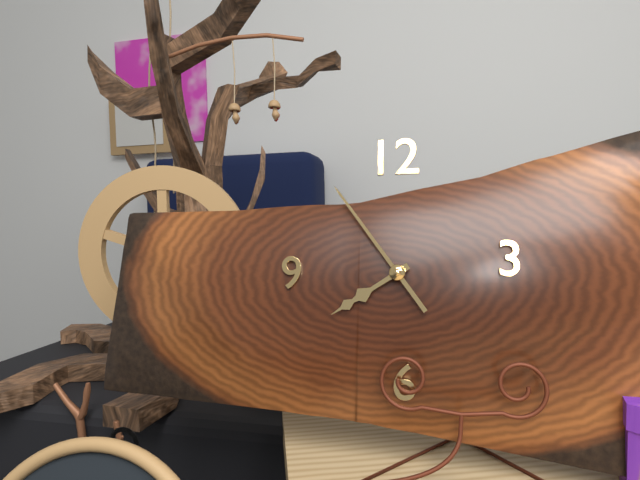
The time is h=7 m=54
